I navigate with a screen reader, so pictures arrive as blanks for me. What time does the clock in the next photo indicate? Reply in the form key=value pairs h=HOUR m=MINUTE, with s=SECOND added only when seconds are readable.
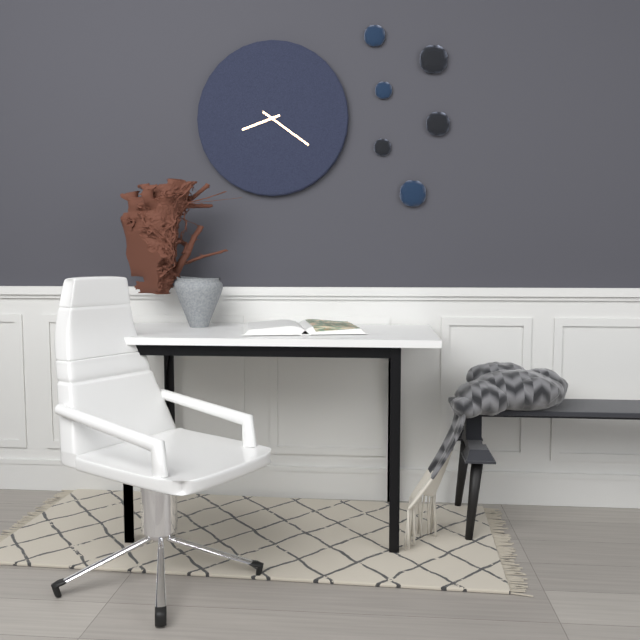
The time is h=8 m=21
